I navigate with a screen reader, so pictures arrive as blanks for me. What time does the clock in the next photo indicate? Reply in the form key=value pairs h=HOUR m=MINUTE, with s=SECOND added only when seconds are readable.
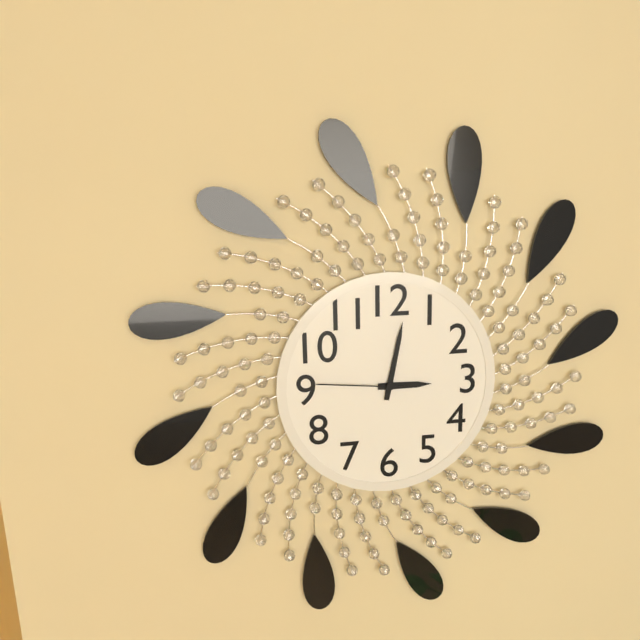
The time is h=3 m=2 s=46
